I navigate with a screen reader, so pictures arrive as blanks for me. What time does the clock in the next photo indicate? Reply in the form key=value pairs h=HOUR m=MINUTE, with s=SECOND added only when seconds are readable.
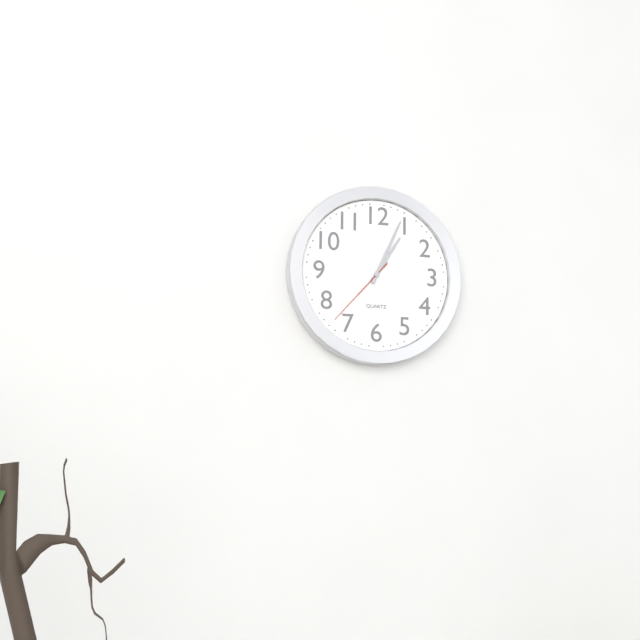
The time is h=1 m=4 s=37
